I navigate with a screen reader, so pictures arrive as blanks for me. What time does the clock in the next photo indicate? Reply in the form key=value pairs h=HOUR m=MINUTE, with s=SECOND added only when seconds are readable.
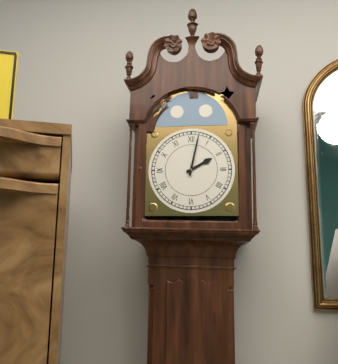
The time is h=2 m=2
